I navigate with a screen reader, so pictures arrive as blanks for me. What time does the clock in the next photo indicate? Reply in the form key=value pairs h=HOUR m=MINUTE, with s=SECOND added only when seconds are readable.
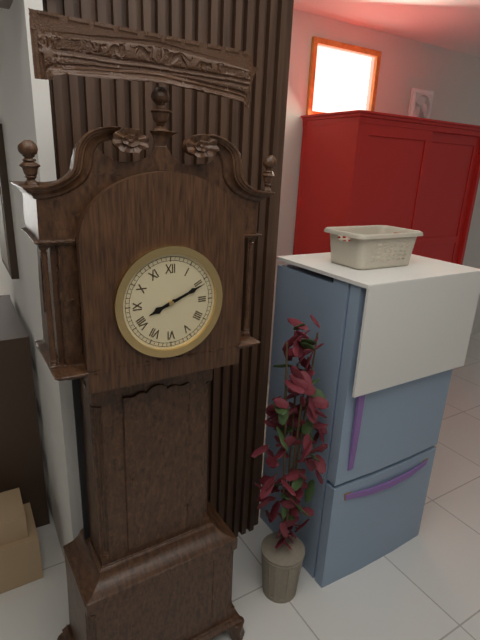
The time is h=8 m=11
